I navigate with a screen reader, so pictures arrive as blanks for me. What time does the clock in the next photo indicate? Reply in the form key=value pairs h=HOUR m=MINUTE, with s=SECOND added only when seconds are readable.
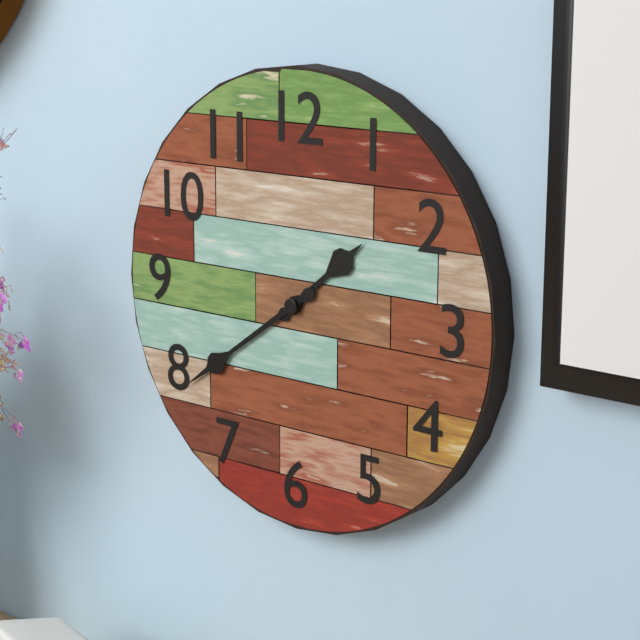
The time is h=1 m=39
